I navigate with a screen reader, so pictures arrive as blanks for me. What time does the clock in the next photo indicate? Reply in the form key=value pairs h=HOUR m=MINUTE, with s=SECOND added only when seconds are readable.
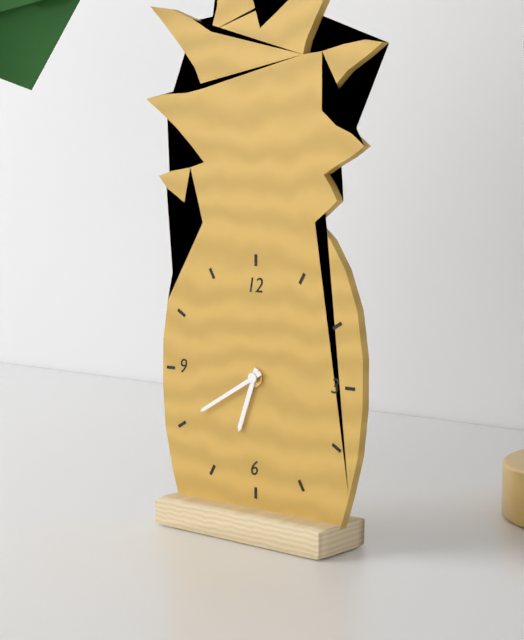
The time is h=6 m=40
